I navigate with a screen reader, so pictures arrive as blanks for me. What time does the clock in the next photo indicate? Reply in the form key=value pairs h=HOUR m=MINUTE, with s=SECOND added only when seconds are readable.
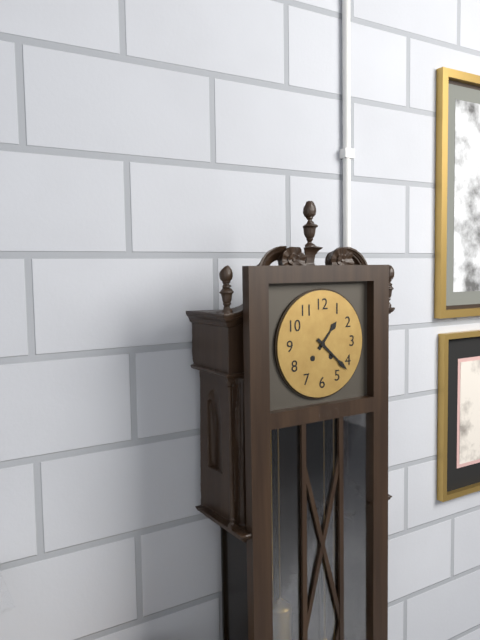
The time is h=1 m=22
